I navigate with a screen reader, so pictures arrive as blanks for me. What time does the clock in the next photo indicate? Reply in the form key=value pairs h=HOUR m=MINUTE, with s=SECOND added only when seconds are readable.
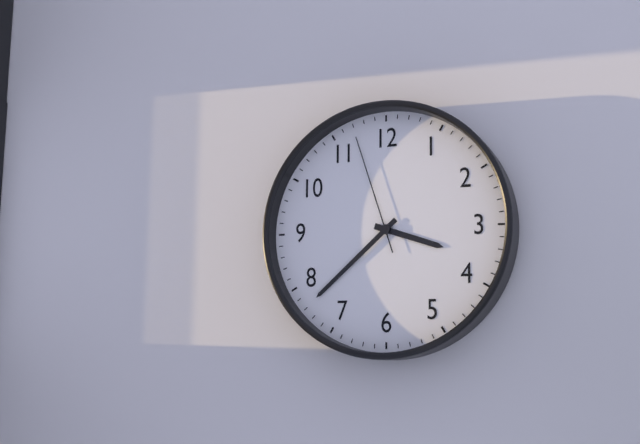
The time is h=3 m=38 s=57
